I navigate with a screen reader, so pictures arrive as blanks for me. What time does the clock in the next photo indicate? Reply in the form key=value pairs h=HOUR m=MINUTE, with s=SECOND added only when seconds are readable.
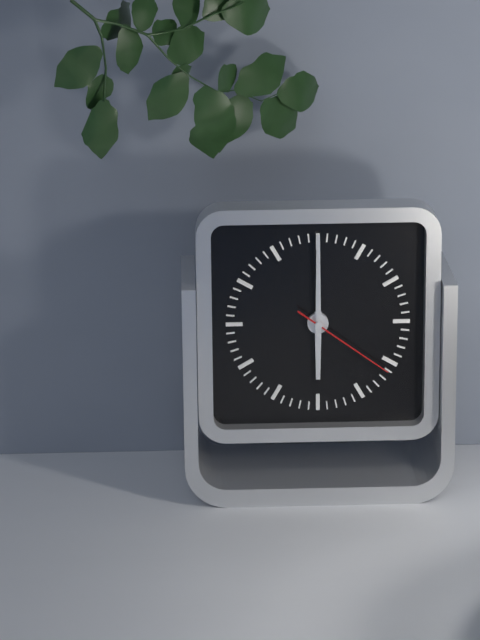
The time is h=6 m=0 s=21
